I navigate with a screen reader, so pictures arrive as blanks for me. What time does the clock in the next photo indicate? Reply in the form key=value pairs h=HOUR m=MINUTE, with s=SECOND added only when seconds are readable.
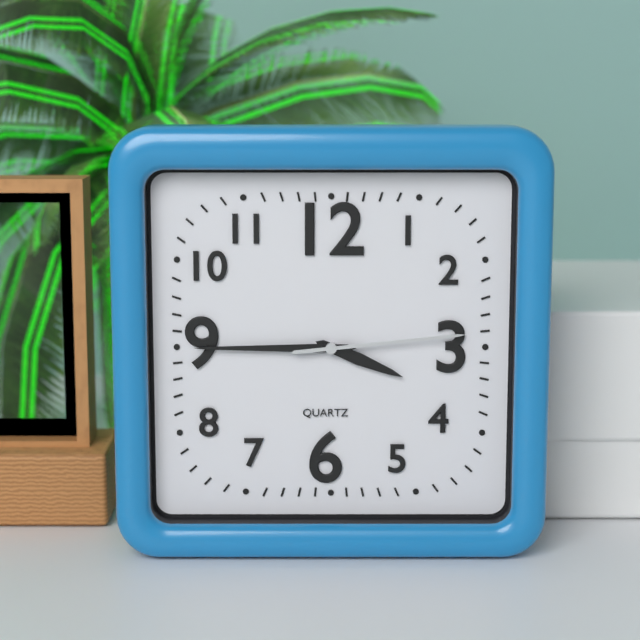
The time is h=3 m=45 s=14
